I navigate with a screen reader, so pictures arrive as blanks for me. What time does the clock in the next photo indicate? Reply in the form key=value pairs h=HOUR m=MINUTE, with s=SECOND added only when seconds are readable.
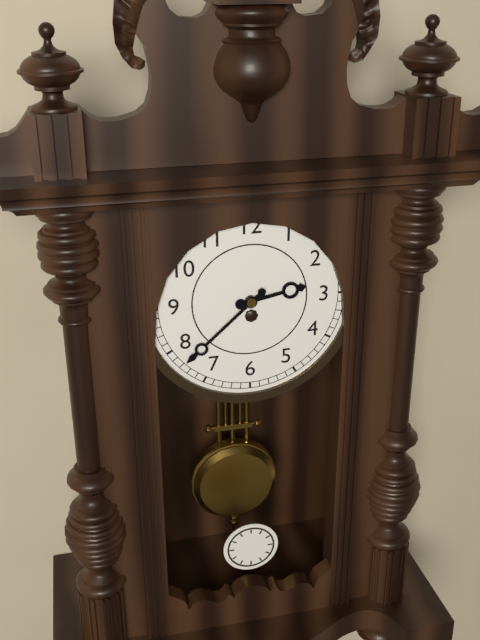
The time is h=2 m=38
